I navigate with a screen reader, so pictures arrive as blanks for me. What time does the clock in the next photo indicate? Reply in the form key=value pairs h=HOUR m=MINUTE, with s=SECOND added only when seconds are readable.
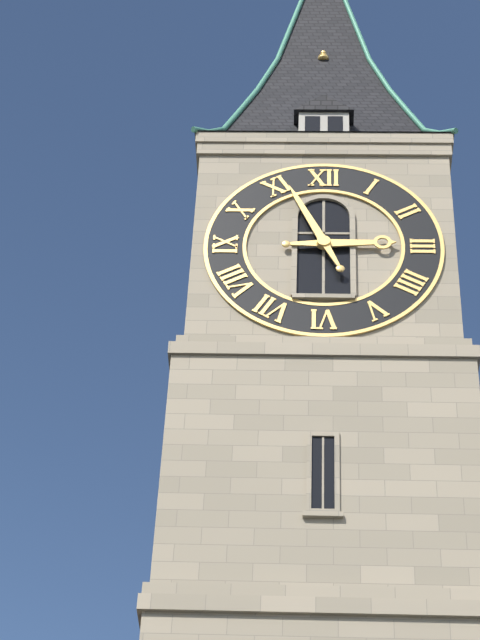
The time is h=2 m=56
